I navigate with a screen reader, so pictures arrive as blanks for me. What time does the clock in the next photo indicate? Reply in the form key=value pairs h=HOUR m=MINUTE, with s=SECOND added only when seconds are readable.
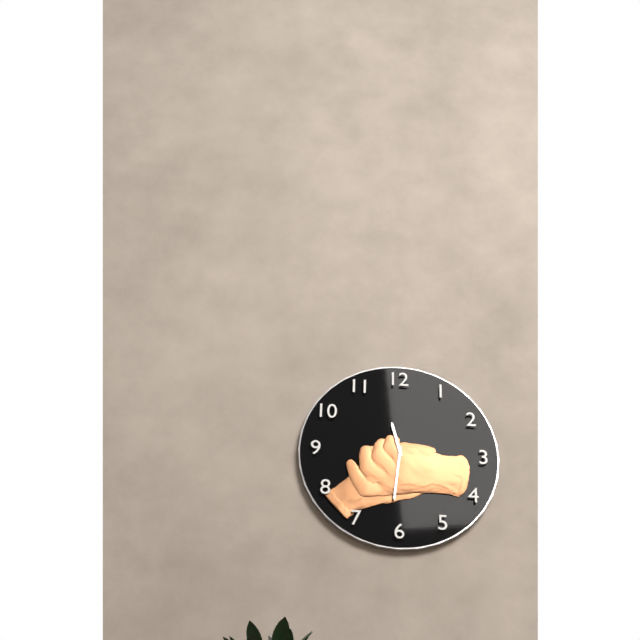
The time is h=11 m=31
